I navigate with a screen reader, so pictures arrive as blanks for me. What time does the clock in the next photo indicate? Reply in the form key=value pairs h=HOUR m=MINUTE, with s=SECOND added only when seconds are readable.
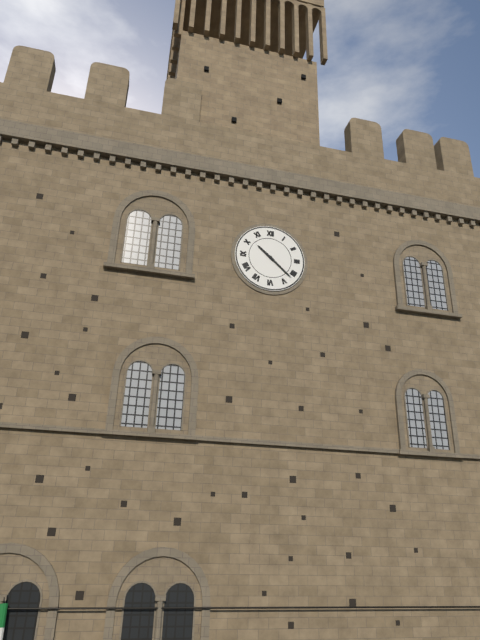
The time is h=10 m=22
